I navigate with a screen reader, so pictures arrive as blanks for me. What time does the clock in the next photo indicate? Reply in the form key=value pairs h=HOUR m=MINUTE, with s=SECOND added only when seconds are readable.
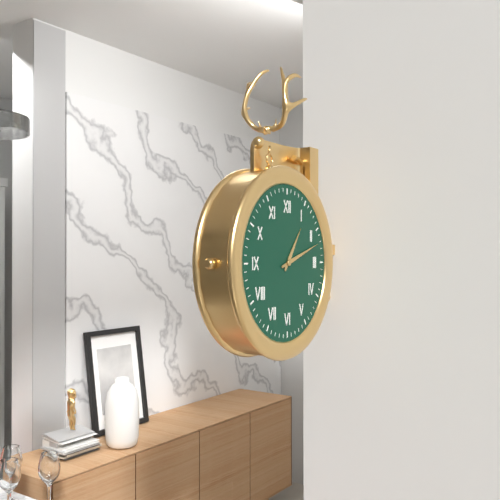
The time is h=1 m=12
